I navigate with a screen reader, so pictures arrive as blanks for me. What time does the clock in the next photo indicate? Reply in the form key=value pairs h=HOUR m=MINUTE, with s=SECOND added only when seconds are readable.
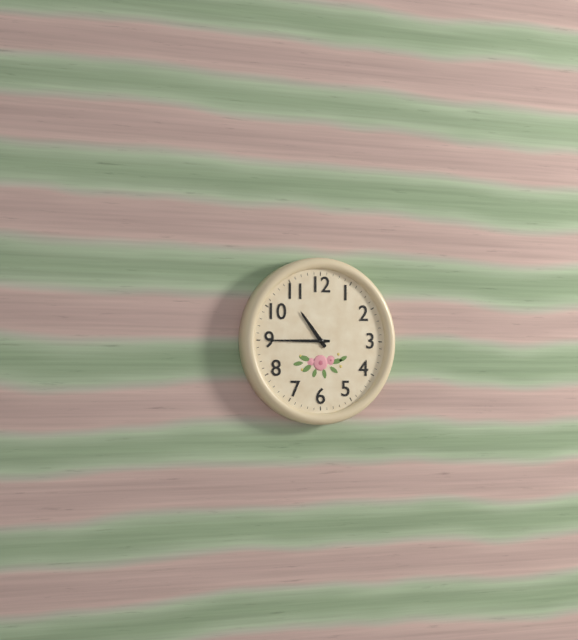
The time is h=10 m=45
